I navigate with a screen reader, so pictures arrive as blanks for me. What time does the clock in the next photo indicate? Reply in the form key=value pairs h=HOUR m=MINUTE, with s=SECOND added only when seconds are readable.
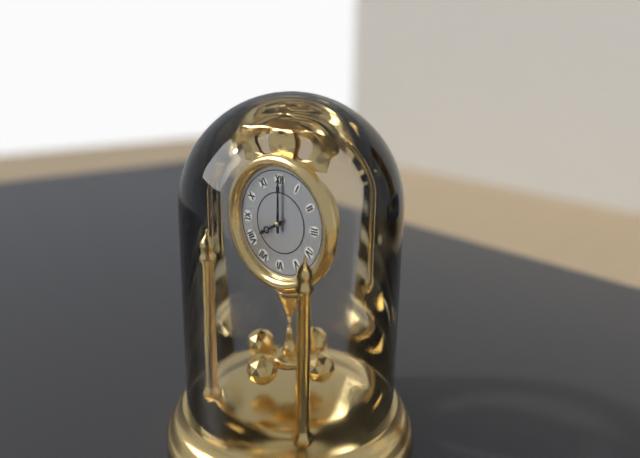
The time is h=8 m=0
